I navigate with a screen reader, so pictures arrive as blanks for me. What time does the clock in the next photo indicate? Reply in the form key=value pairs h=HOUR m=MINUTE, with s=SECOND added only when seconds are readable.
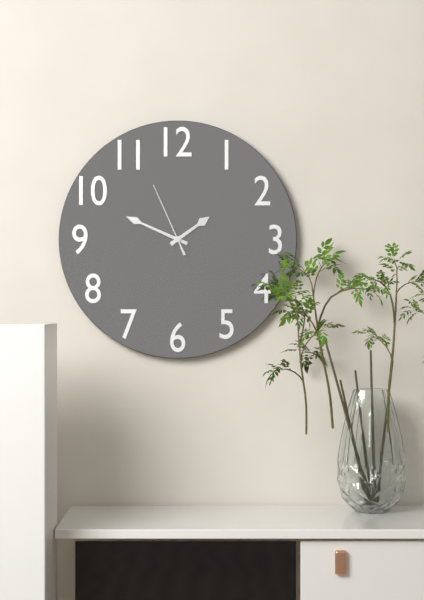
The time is h=1 m=49 s=56
